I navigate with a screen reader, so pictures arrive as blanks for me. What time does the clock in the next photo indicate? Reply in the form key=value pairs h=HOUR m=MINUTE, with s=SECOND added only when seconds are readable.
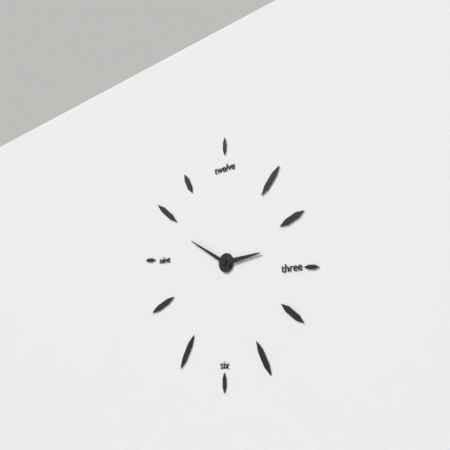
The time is h=2 m=50
